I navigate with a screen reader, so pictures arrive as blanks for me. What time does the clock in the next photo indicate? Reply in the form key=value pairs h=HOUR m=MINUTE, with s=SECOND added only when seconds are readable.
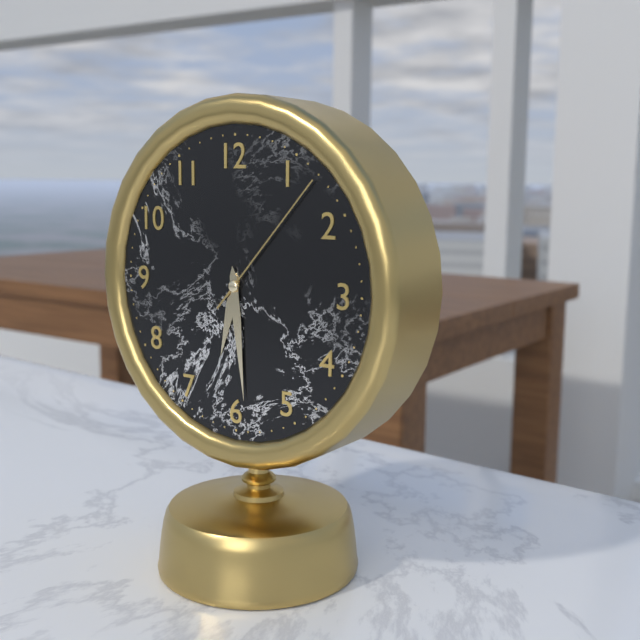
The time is h=6 m=29 s=7
